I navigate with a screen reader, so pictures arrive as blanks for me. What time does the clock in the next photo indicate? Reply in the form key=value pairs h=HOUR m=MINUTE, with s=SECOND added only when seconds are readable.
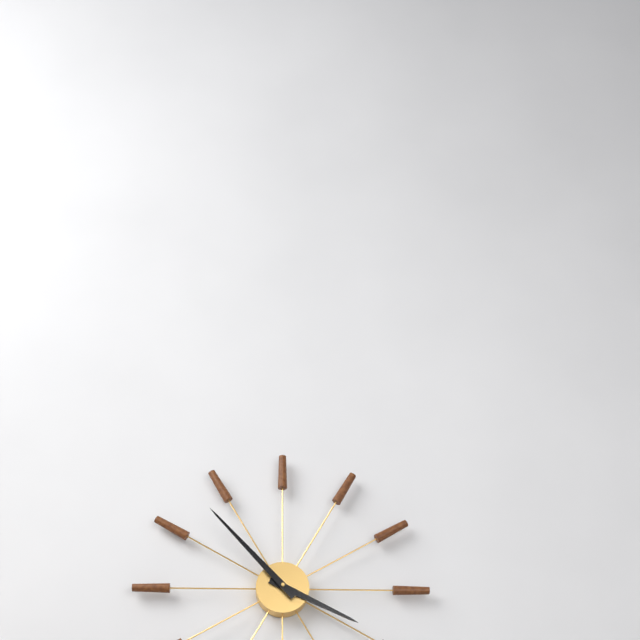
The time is h=3 m=53
